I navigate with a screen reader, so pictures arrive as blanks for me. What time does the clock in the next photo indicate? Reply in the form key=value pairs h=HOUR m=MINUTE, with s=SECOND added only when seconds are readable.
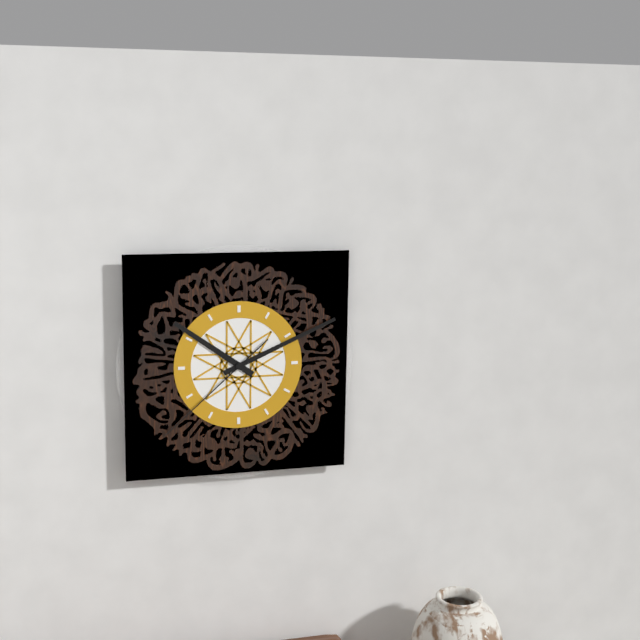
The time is h=10 m=11 s=38
